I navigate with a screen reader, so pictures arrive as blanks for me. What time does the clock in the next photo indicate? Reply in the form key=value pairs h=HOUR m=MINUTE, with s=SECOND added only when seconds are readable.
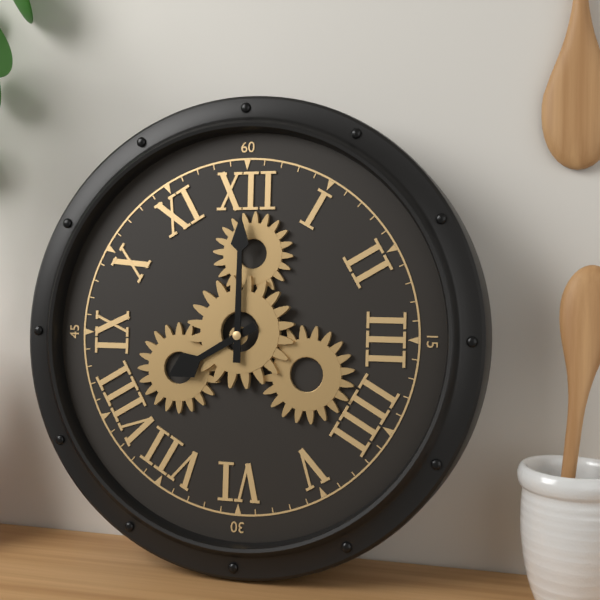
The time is h=8 m=0
